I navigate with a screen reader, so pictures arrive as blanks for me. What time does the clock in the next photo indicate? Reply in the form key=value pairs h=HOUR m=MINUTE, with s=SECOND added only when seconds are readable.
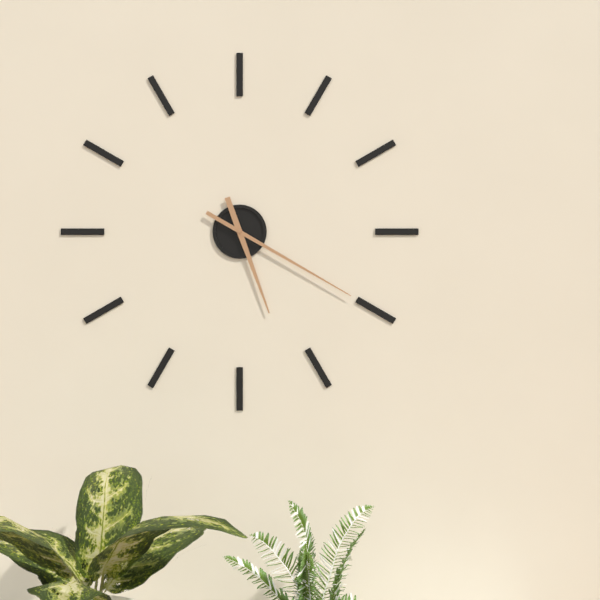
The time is h=5 m=20
